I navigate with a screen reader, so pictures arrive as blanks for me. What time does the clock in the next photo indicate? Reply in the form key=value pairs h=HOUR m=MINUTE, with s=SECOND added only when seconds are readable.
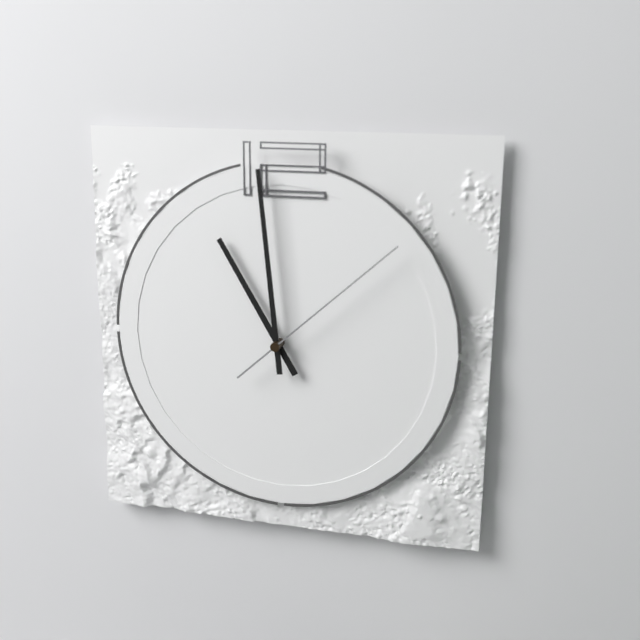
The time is h=10 m=59 s=8
